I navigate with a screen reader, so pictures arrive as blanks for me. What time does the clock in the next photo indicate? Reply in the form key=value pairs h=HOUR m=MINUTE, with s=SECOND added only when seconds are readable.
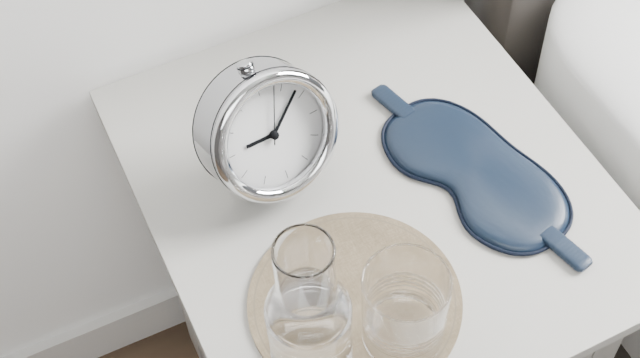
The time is h=9 m=8 s=3
